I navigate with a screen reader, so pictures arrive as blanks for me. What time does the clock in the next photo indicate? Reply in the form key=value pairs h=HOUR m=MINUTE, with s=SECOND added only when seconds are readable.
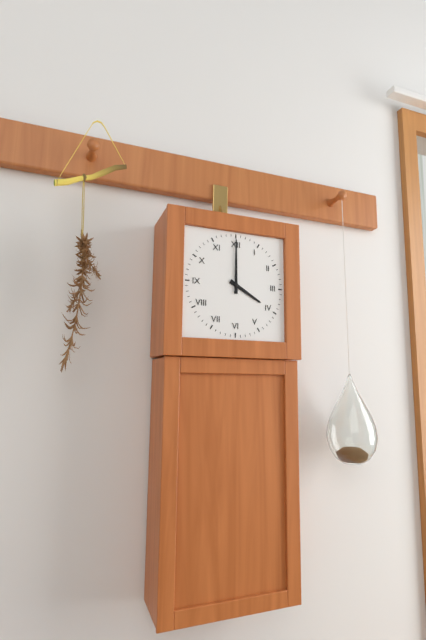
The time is h=4 m=0
